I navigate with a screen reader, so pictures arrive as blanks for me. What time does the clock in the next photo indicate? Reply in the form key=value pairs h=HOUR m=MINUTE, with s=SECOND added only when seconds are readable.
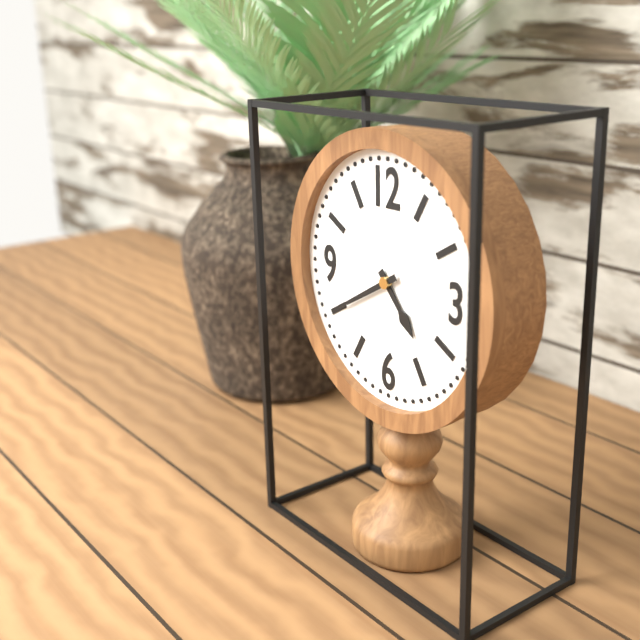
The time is h=4 m=40
